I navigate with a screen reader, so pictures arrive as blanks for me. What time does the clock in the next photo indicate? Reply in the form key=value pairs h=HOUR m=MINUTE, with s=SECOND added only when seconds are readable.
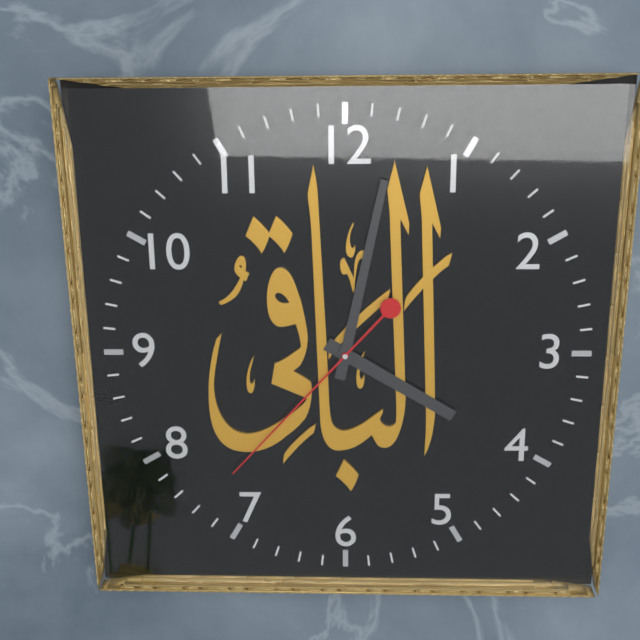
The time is h=4 m=2 s=37
